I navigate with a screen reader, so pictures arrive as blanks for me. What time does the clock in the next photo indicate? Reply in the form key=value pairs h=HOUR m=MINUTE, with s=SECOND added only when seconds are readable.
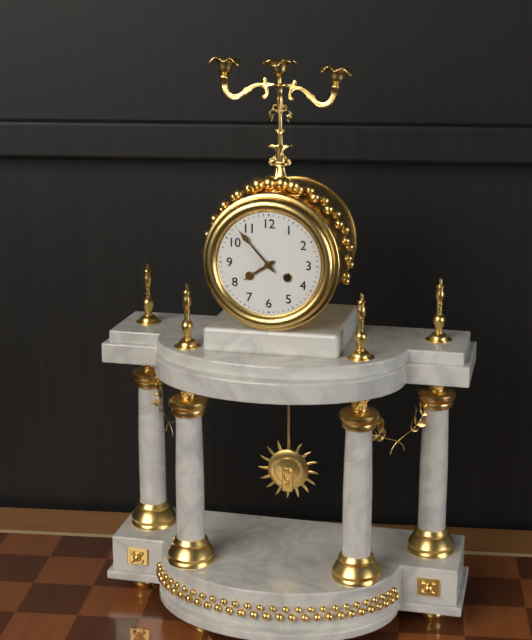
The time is h=7 m=53
